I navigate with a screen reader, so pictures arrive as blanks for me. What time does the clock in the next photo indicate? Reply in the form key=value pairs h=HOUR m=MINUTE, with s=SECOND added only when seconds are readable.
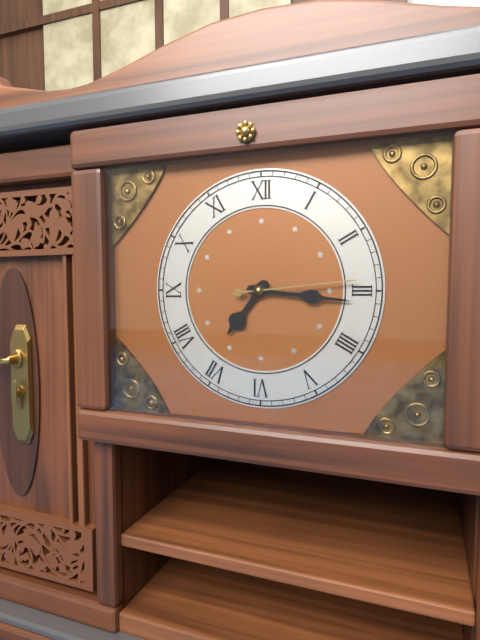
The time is h=7 m=16 s=14
